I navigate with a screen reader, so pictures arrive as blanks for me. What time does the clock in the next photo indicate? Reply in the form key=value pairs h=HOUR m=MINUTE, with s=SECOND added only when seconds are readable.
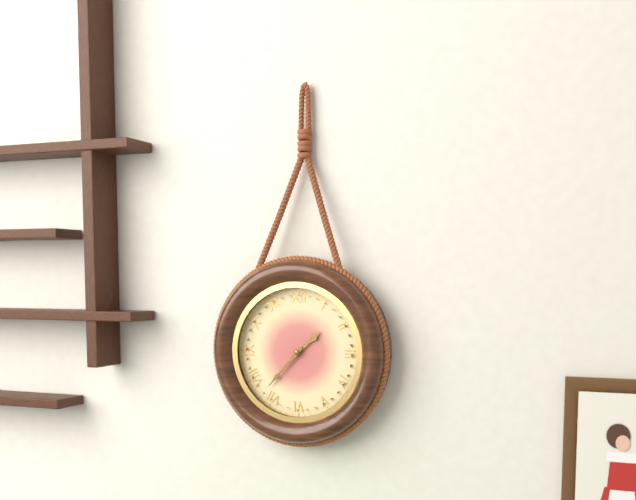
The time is h=1 m=37
